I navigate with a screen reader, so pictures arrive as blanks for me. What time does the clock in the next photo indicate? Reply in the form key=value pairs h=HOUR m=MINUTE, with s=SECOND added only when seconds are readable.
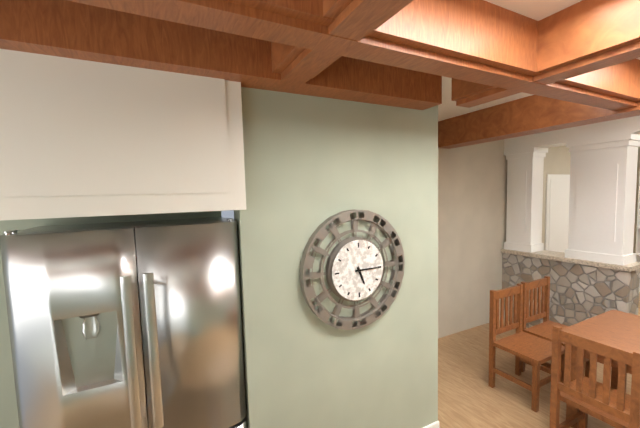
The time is h=5 m=15
